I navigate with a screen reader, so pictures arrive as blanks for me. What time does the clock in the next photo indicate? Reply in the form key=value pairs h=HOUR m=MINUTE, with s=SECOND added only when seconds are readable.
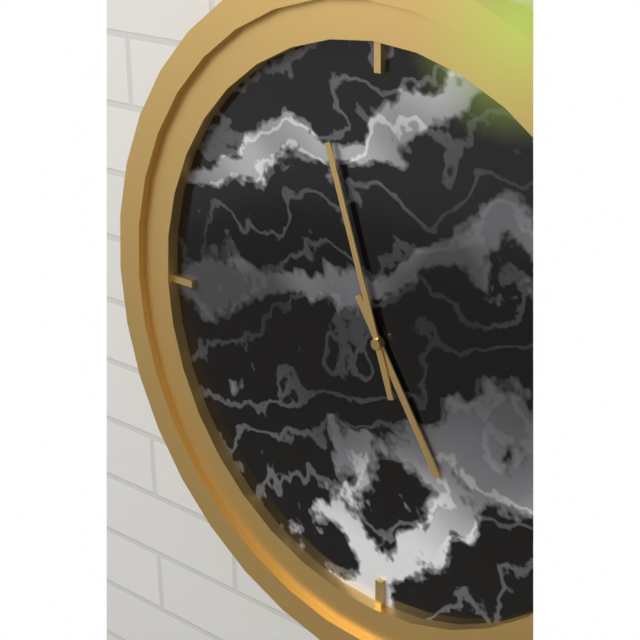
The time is h=4 m=57
